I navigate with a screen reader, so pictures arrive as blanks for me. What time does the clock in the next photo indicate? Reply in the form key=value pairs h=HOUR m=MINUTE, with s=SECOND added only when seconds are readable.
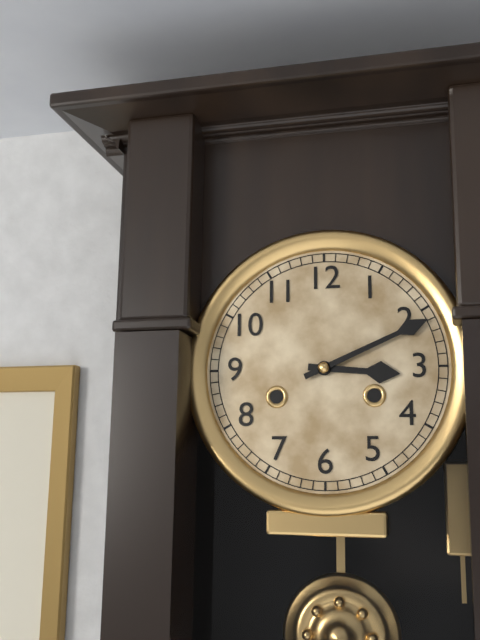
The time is h=3 m=11
